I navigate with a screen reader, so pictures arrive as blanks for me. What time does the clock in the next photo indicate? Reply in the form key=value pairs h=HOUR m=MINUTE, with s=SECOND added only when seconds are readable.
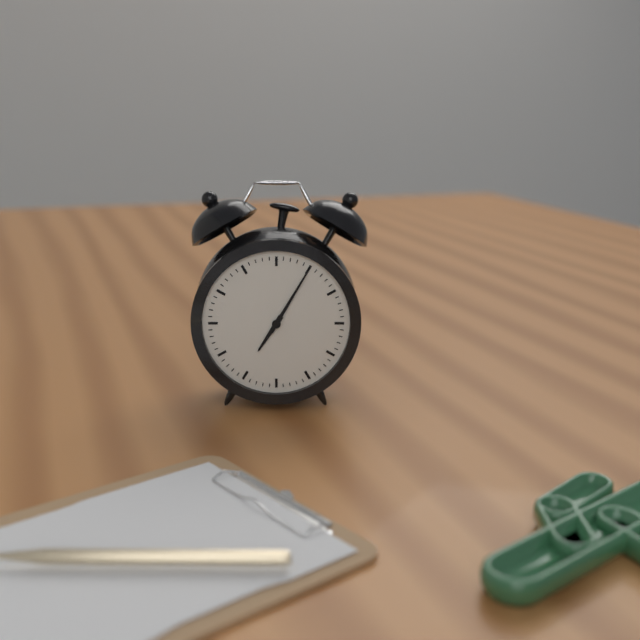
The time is h=7 m=5
